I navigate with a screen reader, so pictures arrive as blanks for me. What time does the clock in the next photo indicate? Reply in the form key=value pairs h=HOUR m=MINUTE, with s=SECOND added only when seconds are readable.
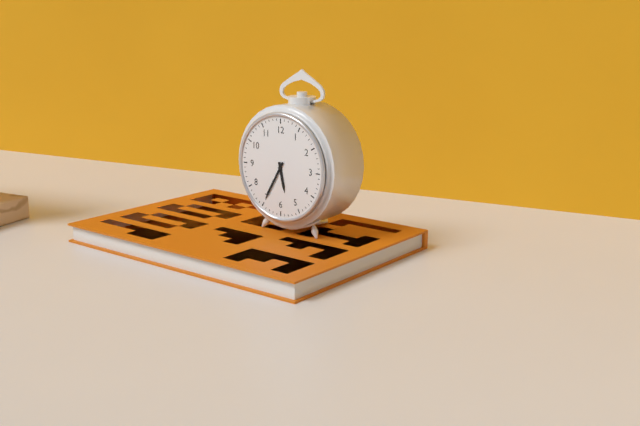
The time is h=5 m=35
